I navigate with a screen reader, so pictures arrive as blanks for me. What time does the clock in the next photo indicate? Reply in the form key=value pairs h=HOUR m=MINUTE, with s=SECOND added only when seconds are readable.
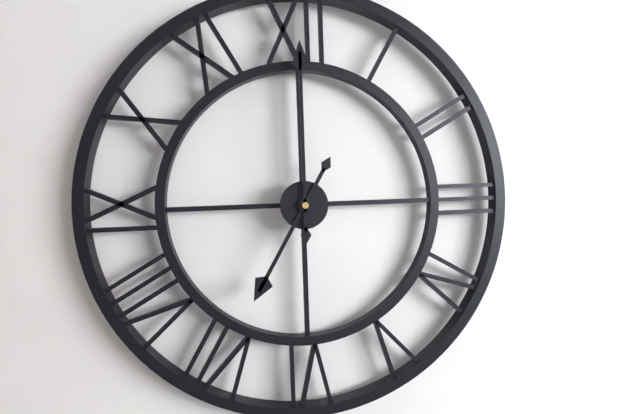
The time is h=7 m=0
